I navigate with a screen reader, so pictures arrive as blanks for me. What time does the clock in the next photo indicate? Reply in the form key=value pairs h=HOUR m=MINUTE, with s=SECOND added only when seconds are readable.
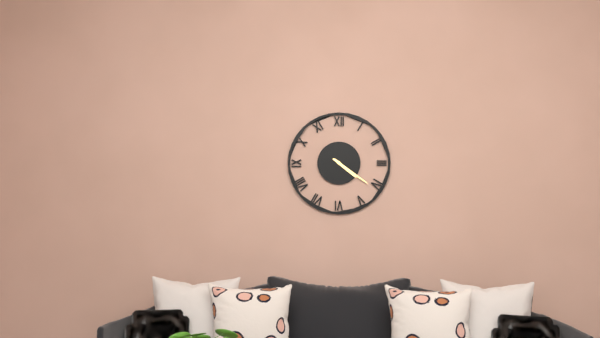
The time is h=4 m=21
